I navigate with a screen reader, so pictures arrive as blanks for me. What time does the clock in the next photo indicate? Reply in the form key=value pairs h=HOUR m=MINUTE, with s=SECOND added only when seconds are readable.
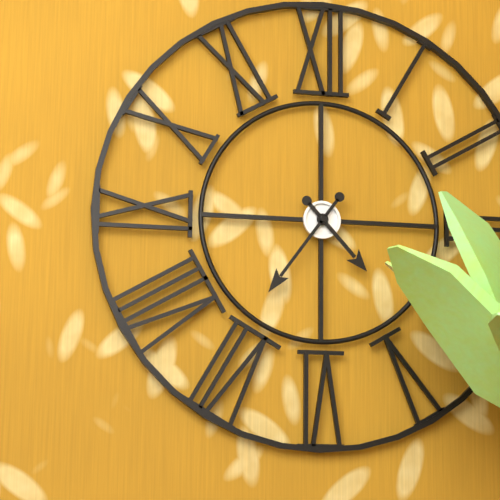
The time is h=4 m=36
